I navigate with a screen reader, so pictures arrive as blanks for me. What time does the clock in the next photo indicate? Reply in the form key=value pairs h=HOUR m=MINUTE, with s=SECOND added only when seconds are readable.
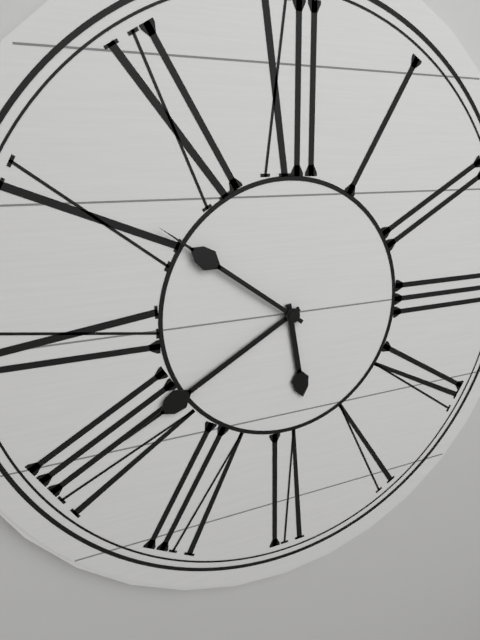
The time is h=5 m=40 s=51
